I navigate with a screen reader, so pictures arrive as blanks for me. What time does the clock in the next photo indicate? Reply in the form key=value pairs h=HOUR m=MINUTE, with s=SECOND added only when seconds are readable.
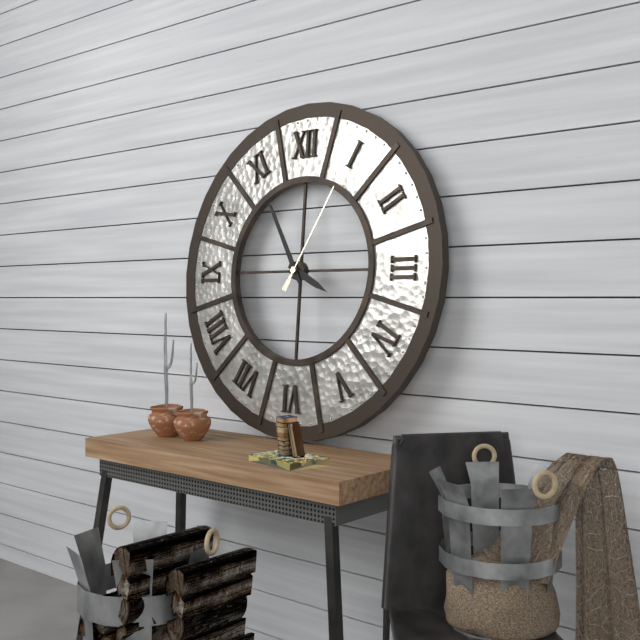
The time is h=3 m=55 s=5
